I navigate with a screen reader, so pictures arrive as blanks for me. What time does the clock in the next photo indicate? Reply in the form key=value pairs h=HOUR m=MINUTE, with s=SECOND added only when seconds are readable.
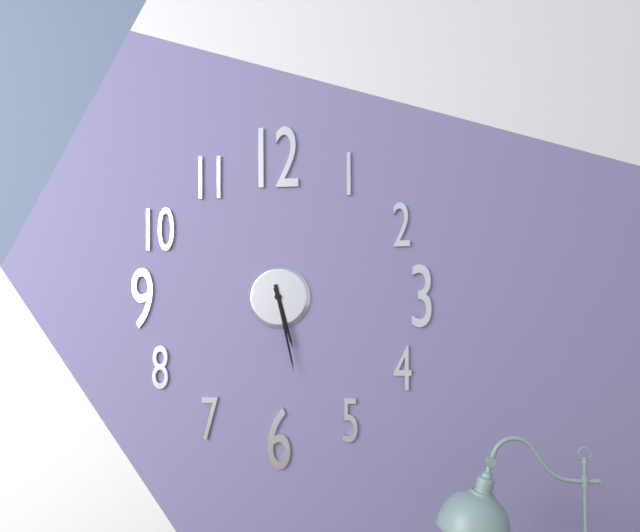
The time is h=5 m=28
